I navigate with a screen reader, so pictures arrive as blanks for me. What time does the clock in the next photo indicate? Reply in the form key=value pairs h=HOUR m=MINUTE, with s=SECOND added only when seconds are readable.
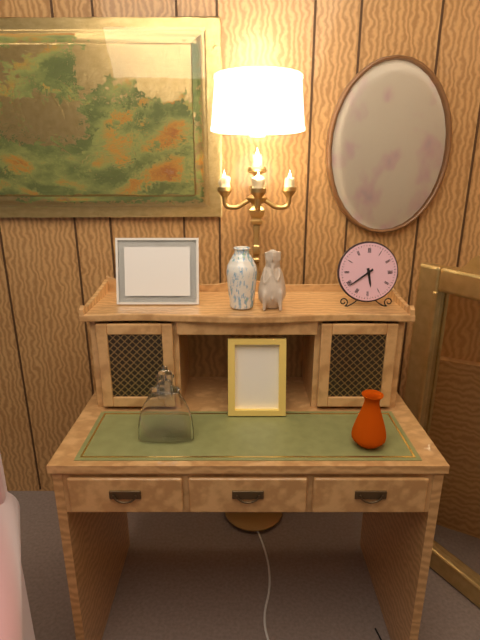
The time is h=5 m=39
